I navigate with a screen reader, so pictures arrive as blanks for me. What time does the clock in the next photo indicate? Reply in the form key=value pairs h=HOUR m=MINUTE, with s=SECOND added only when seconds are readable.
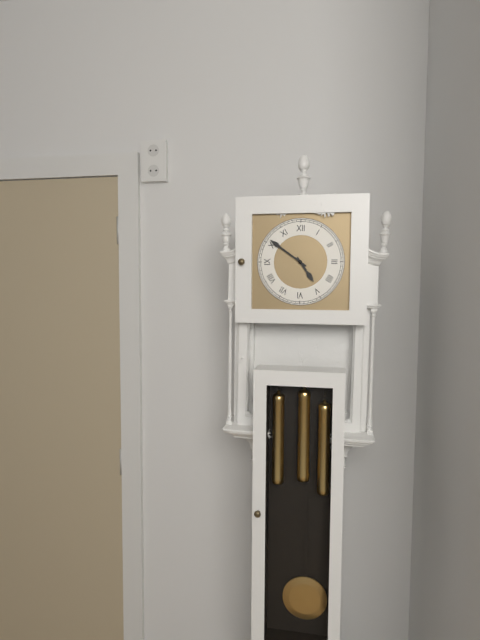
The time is h=4 m=51
